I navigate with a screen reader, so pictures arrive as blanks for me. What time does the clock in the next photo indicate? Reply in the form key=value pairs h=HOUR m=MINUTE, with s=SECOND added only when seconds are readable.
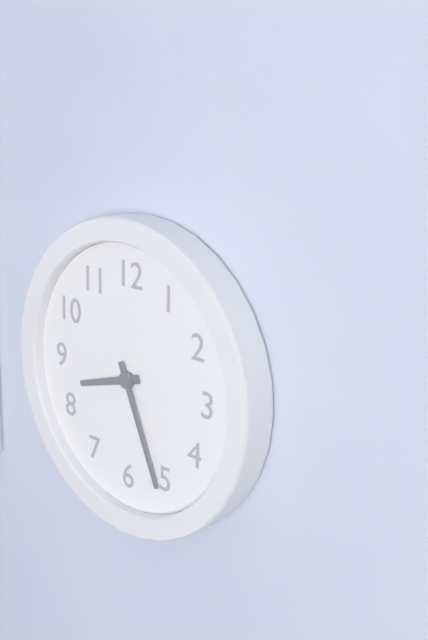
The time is h=8 m=26
